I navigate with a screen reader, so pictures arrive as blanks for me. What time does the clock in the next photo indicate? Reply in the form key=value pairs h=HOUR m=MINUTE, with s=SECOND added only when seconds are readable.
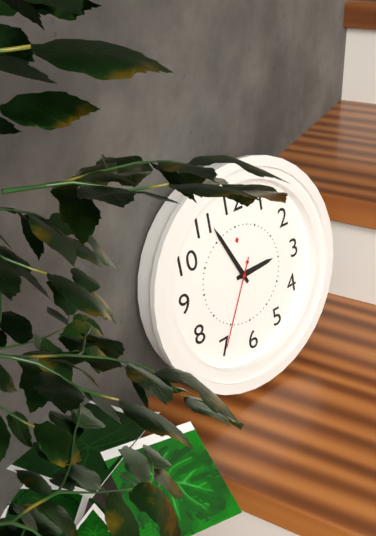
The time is h=2 m=56 s=35
